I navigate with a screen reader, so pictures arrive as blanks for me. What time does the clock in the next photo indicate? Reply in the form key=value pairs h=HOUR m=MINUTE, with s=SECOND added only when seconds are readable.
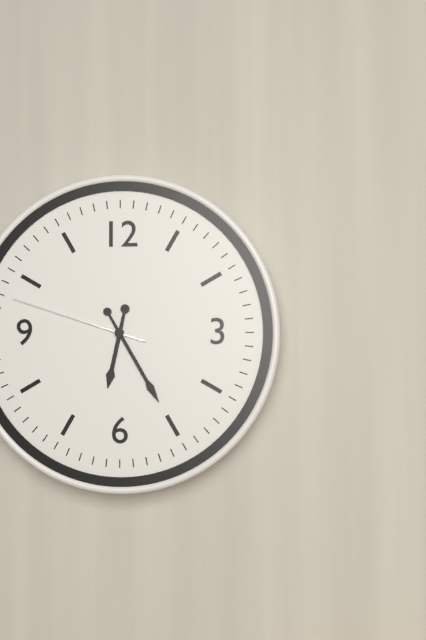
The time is h=6 m=25 s=48
